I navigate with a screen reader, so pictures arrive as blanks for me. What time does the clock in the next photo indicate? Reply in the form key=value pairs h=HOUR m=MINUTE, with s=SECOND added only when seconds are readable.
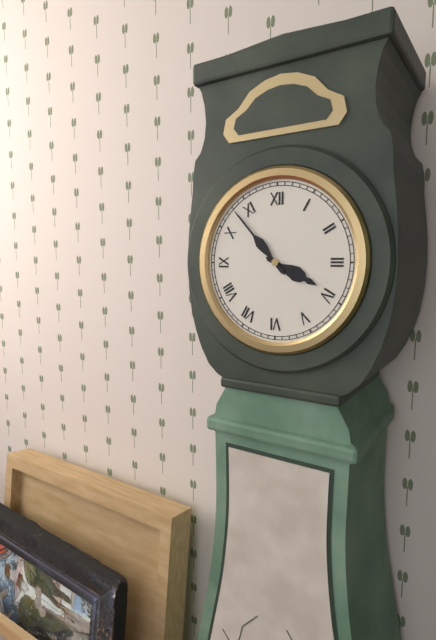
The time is h=3 m=53
